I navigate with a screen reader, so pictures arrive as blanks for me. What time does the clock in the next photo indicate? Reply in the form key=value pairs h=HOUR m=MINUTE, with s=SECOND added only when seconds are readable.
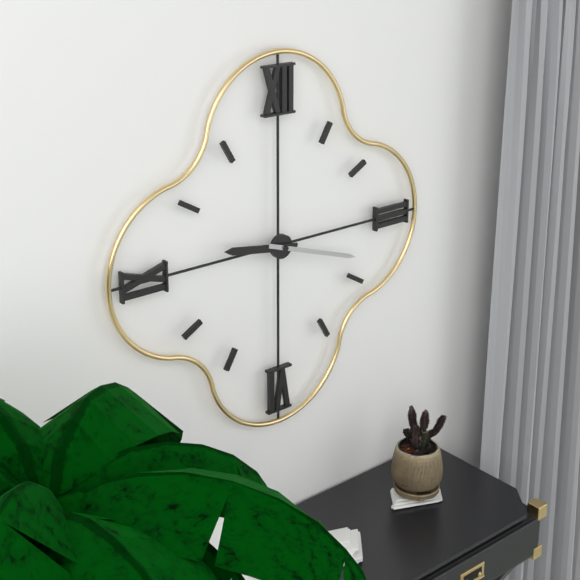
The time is h=9 m=18
